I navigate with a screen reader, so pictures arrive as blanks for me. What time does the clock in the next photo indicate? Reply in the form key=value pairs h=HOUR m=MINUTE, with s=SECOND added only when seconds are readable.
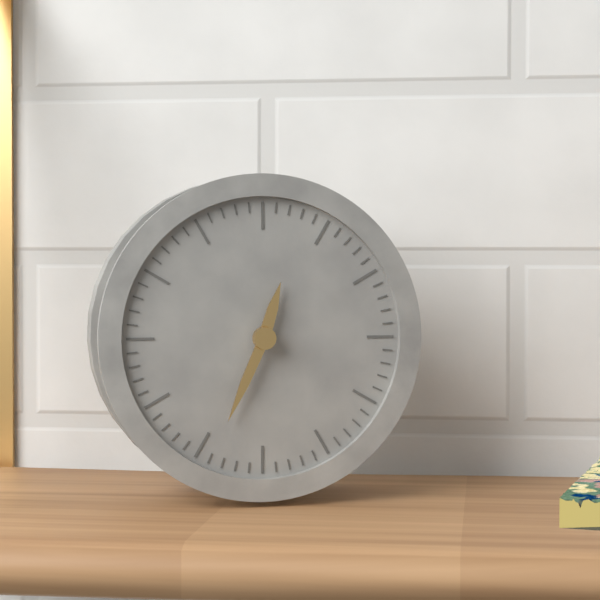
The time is h=12 m=34
